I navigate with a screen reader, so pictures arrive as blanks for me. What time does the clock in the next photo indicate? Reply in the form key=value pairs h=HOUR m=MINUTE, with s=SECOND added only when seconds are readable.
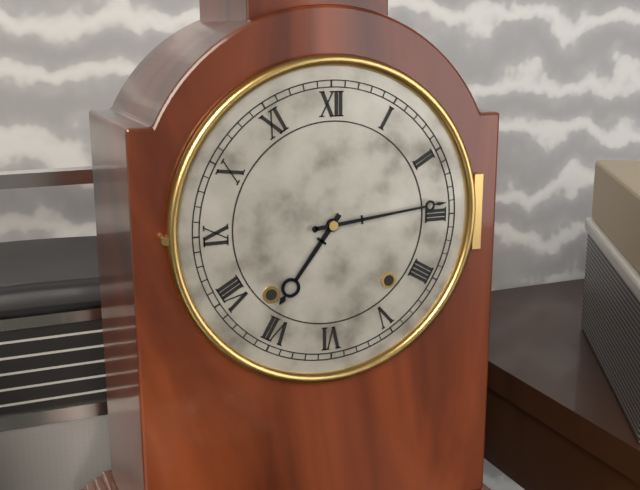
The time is h=7 m=14
